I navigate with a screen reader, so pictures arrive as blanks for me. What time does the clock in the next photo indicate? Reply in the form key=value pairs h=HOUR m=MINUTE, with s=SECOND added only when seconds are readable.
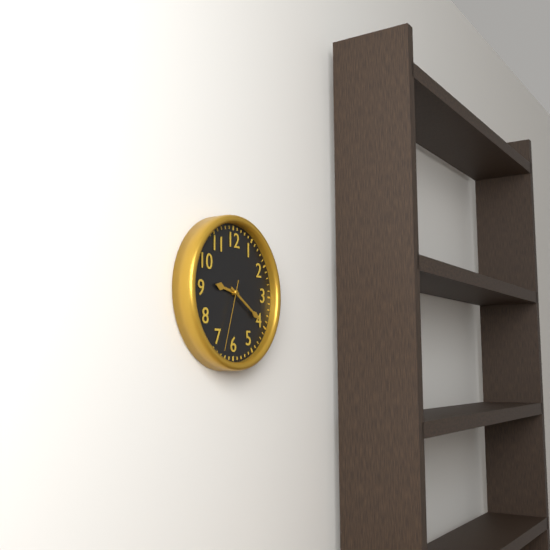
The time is h=9 m=20 s=33
